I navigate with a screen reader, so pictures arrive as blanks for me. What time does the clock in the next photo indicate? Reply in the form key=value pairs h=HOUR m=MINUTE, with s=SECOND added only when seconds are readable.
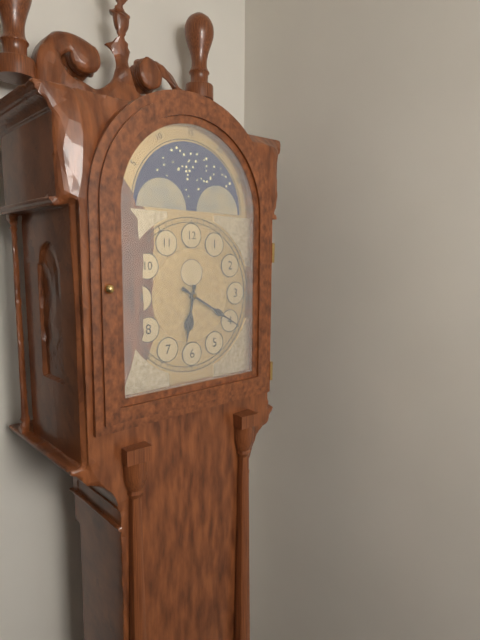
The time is h=6 m=20
